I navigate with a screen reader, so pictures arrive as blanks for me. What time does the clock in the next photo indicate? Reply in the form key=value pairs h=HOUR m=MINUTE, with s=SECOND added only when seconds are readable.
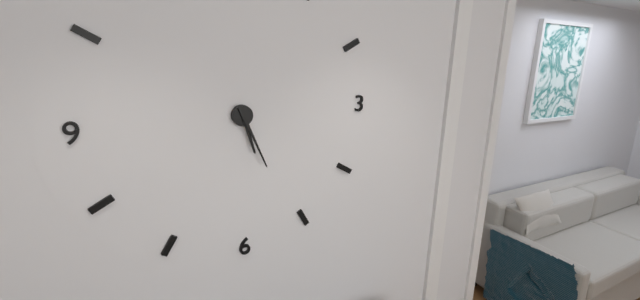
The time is h=5 m=26
